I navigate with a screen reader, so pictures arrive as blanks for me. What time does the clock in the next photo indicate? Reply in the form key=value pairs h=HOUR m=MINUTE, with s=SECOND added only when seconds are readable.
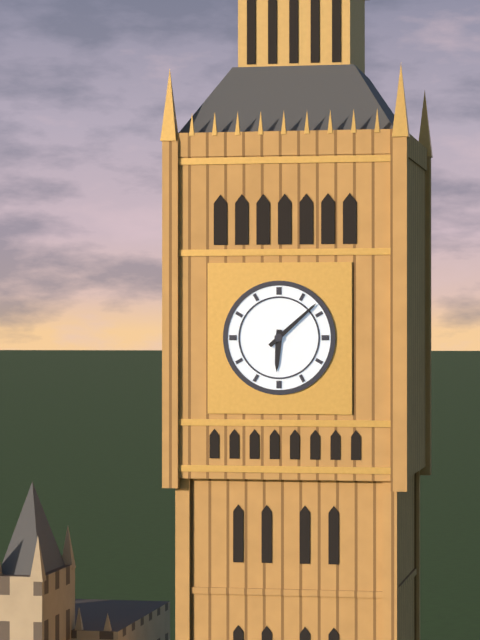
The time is h=6 m=8
